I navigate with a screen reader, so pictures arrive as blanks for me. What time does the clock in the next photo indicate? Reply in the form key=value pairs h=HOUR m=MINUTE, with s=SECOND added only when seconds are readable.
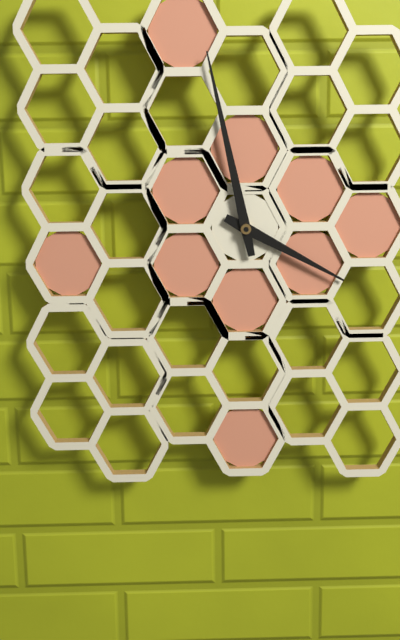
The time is h=3 m=58
